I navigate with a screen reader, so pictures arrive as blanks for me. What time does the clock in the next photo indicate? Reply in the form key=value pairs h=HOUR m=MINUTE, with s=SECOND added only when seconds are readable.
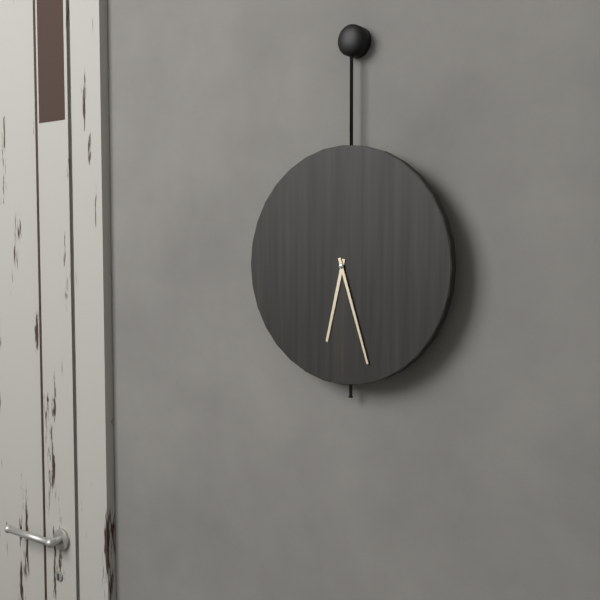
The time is h=6 m=27
